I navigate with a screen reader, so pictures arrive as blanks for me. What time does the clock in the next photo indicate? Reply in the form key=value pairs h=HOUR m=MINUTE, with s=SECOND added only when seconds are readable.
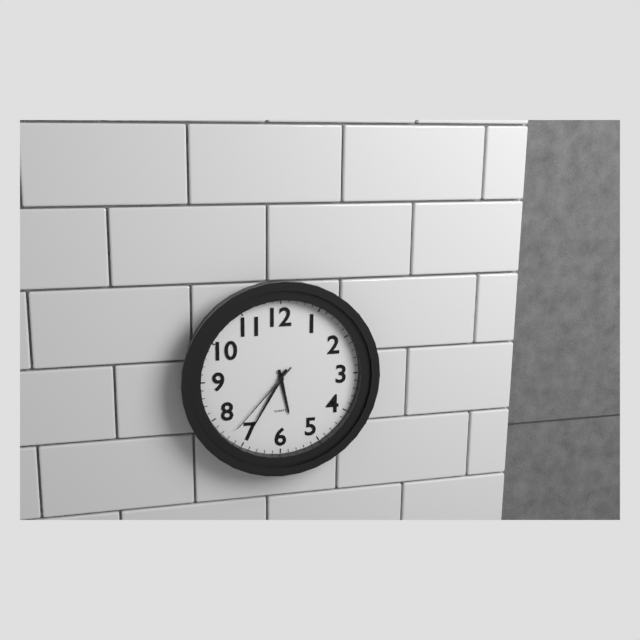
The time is h=5 m=35 s=37
